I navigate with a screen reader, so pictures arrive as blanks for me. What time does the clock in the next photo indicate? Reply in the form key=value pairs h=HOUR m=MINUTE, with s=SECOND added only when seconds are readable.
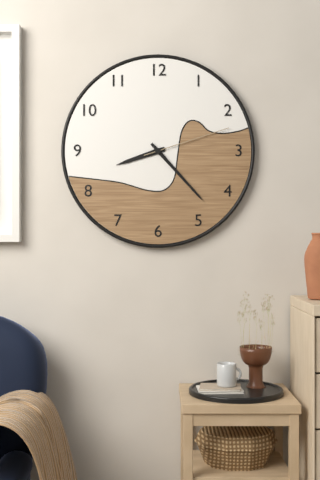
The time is h=8 m=23 s=12
